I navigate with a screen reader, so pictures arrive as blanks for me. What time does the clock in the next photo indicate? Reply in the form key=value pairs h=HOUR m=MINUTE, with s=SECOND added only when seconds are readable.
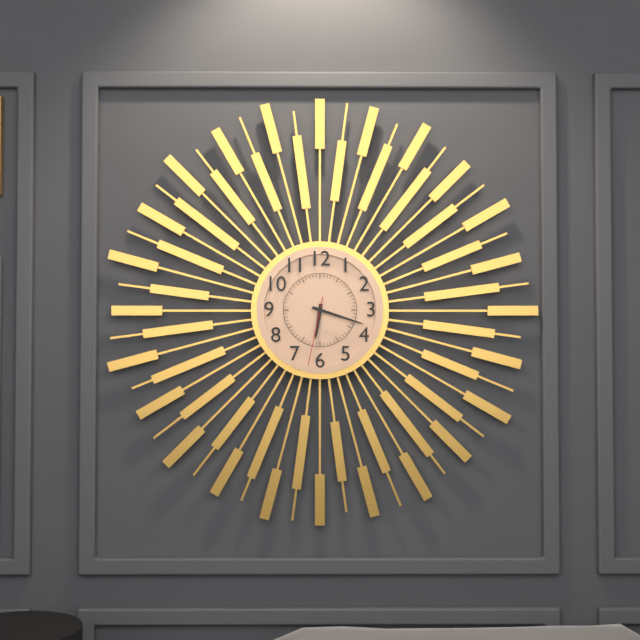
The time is h=6 m=18 s=32
